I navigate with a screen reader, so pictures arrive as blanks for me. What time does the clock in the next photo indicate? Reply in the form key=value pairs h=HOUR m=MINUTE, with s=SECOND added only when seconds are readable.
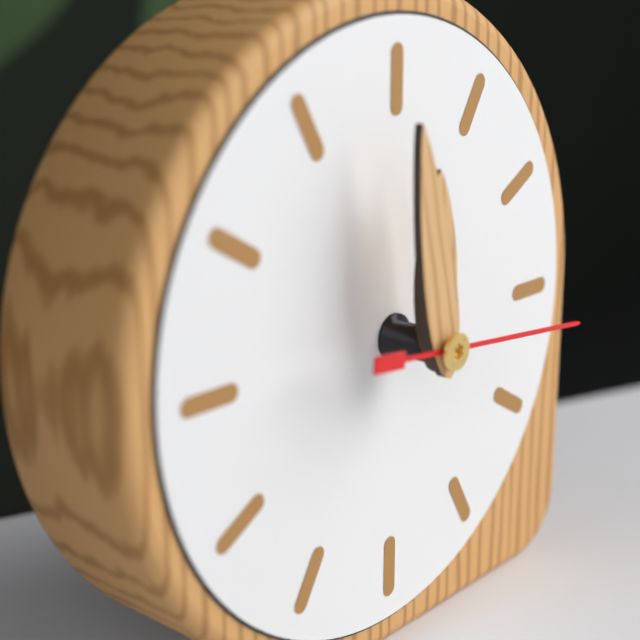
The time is h=11 m=58 s=16
